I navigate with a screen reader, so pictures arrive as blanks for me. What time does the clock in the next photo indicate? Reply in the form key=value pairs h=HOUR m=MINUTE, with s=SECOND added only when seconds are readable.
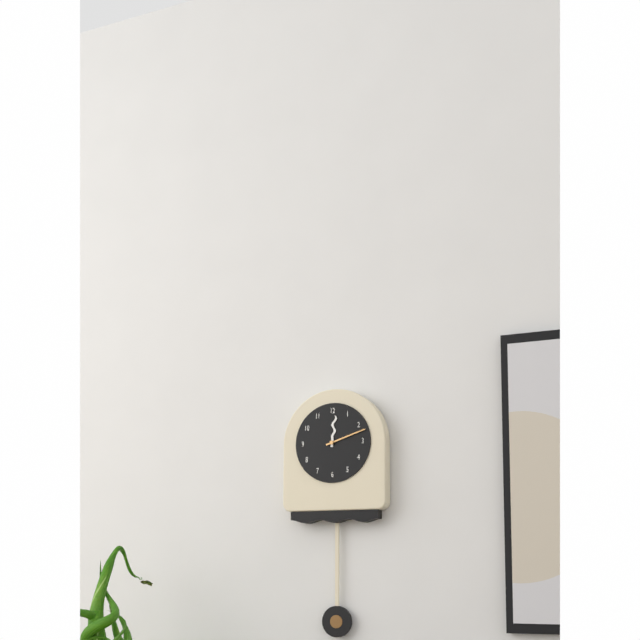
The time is h=12 m=12
